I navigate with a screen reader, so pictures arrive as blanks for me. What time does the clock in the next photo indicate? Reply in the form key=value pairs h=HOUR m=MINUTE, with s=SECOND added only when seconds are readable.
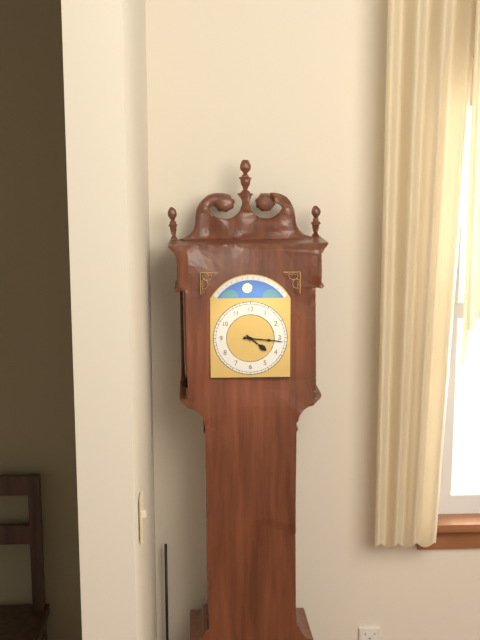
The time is h=4 m=16
